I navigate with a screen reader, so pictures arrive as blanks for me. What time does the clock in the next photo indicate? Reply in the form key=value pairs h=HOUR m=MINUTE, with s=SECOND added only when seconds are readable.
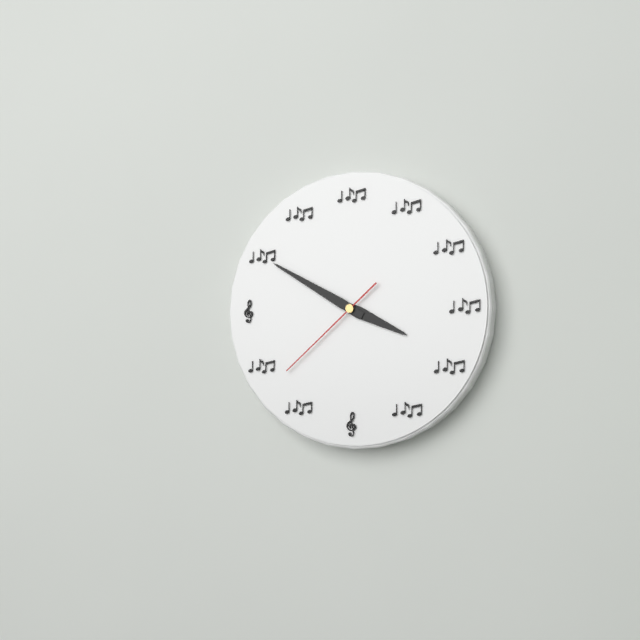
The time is h=3 m=50 s=38
